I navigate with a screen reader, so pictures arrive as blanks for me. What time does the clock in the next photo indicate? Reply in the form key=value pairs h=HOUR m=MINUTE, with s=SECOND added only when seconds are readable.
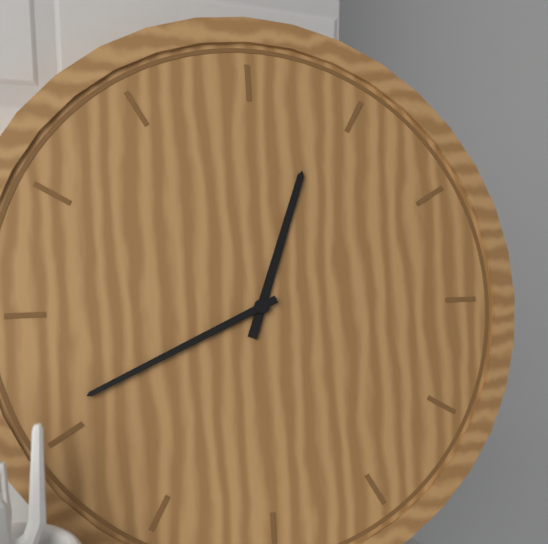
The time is h=12 m=41
